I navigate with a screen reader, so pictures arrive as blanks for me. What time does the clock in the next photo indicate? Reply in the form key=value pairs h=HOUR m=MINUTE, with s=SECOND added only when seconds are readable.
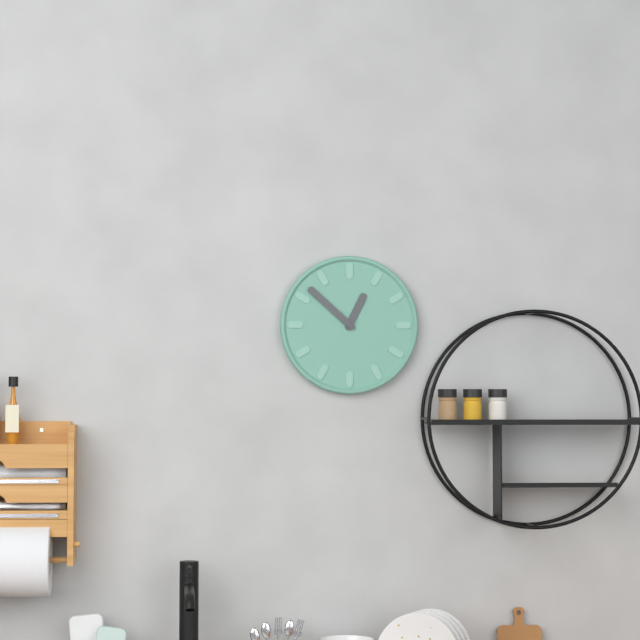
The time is h=12 m=52
